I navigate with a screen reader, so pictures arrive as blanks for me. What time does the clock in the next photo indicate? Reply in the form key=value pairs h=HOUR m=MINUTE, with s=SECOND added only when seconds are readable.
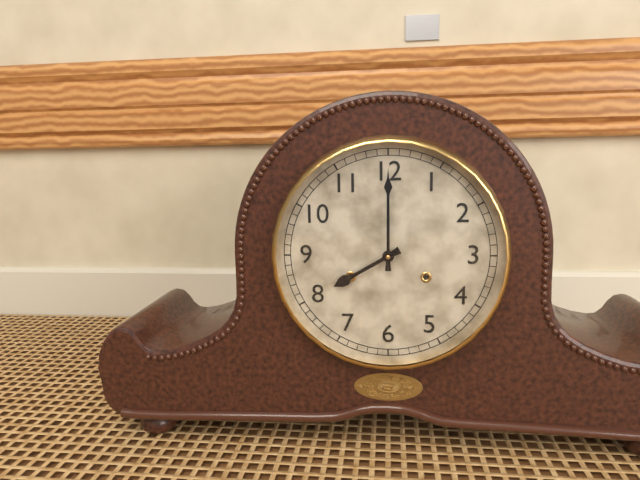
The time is h=8 m=0
